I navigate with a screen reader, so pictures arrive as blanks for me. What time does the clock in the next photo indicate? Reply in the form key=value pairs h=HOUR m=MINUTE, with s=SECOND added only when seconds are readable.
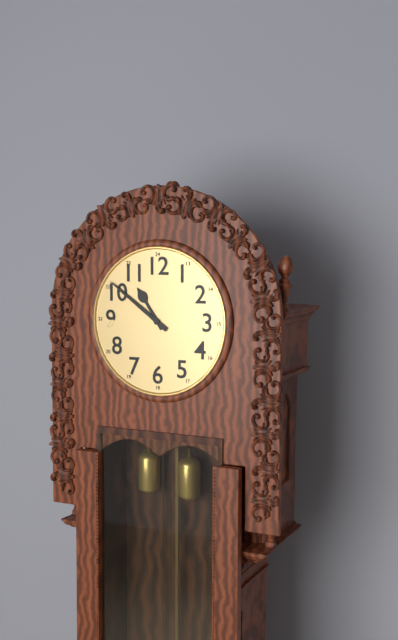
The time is h=10 m=51
